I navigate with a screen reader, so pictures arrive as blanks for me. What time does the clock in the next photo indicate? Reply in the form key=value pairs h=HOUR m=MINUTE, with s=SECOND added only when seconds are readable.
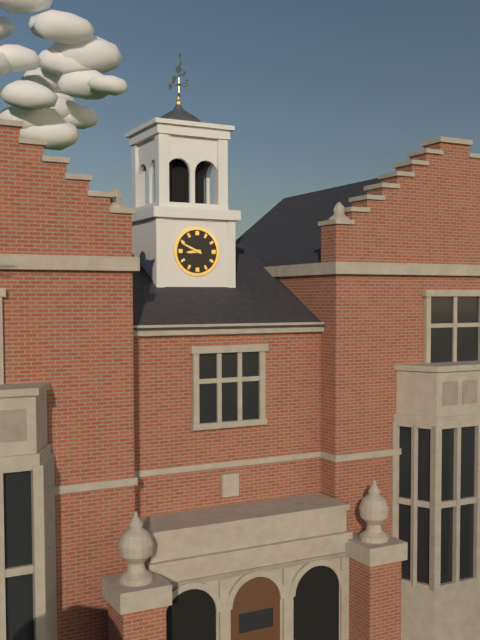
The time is h=8 m=49
